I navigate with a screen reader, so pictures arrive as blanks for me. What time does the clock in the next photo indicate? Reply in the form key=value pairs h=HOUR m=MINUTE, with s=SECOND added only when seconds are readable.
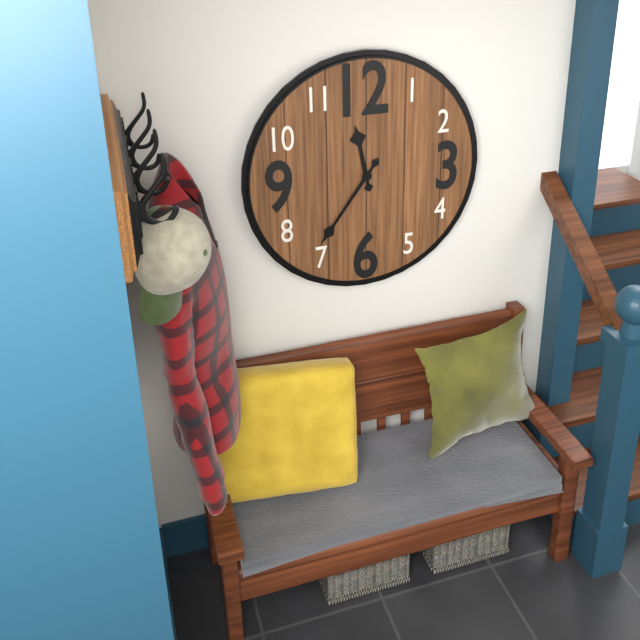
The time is h=11 m=36
